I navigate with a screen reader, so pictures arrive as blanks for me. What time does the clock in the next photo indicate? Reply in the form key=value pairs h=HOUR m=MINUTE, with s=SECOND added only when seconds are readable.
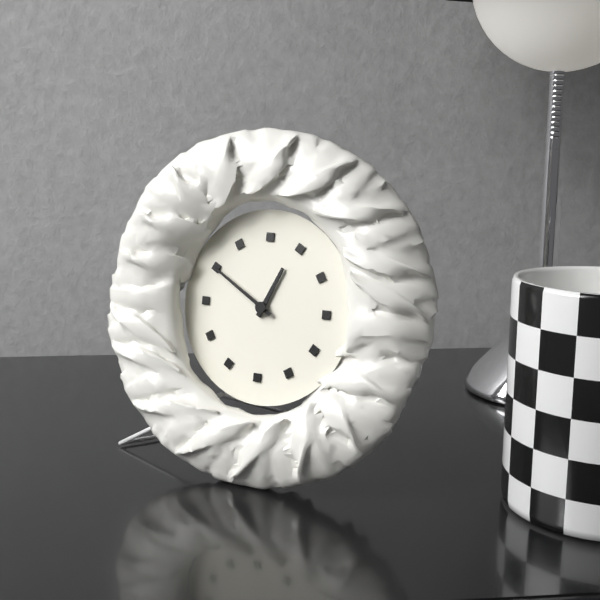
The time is h=12 m=50
